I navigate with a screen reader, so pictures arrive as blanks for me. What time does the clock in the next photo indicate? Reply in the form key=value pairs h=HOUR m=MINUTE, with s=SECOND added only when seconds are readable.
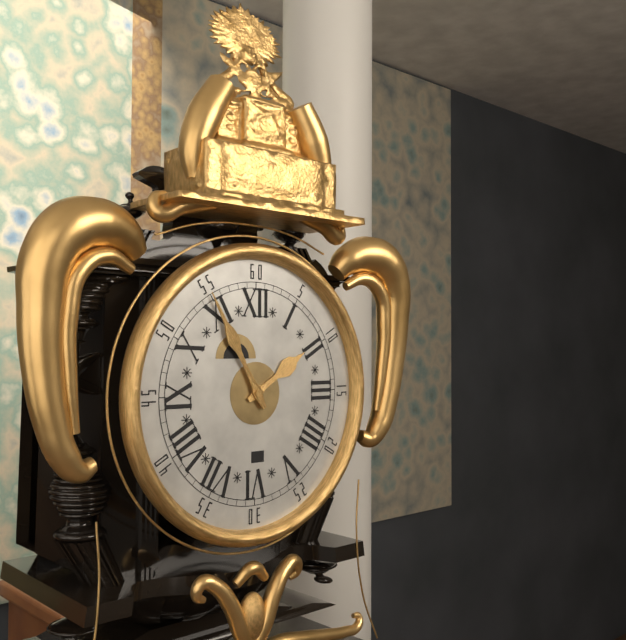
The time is h=1 m=55
